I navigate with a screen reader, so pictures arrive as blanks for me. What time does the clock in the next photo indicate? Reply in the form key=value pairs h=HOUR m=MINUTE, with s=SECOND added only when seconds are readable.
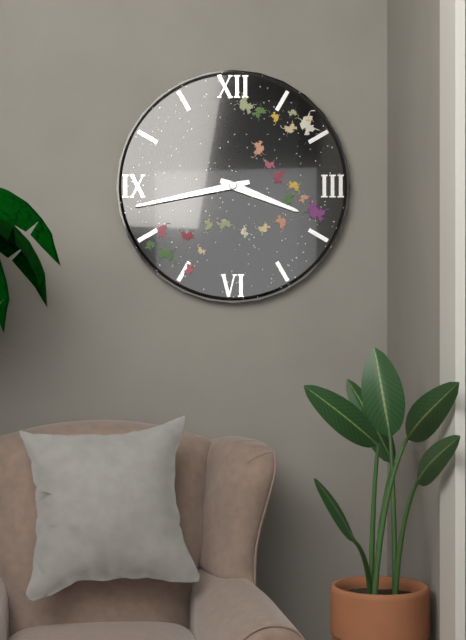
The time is h=3 m=43
